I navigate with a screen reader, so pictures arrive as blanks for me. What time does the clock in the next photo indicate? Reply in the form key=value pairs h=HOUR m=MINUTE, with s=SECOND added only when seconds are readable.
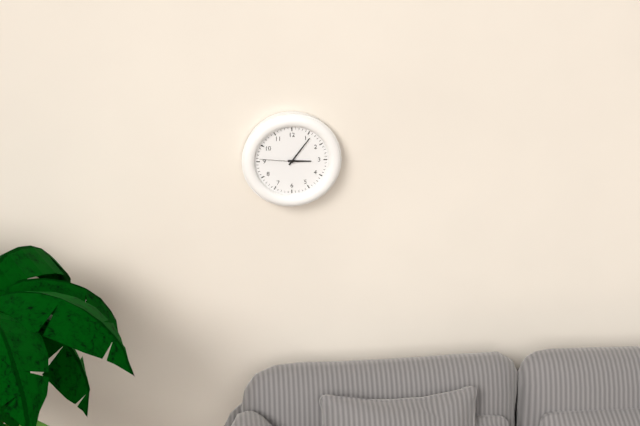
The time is h=3 m=6
